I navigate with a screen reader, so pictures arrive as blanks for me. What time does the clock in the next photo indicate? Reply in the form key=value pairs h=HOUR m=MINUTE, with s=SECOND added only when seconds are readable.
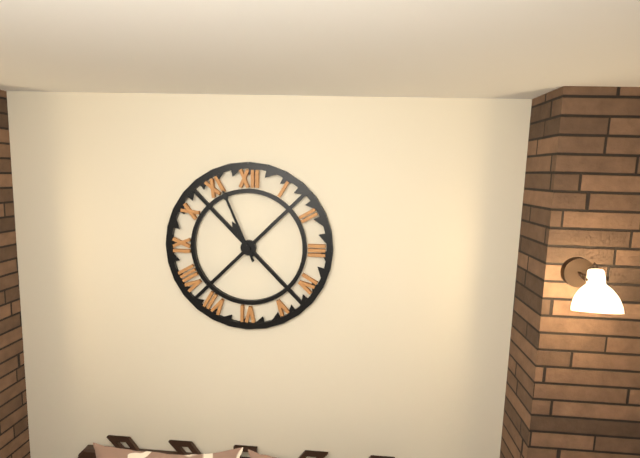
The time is h=10 m=56
